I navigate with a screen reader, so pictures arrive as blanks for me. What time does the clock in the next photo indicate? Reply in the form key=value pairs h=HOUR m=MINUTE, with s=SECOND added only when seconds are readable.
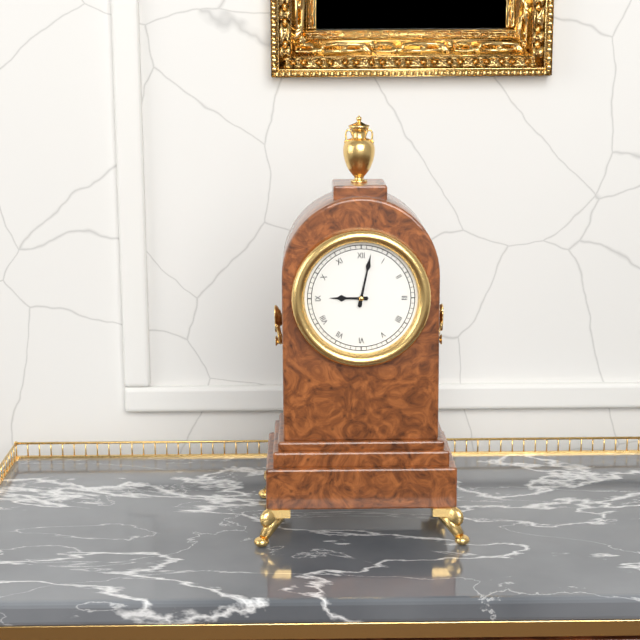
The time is h=9 m=2
